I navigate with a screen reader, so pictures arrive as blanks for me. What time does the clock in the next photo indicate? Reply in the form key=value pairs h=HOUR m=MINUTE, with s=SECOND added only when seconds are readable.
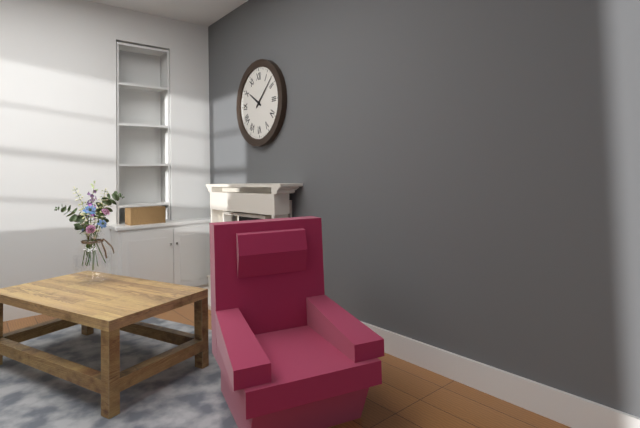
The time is h=10 m=8
